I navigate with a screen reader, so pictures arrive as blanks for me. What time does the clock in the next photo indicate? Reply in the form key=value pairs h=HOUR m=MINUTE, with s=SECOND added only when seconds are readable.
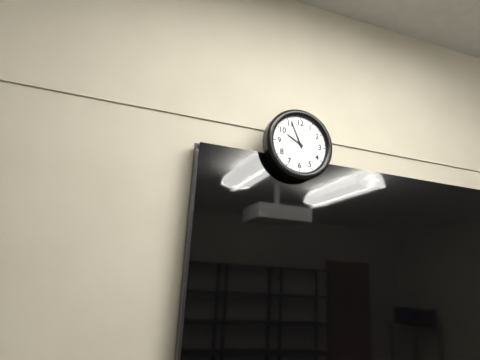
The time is h=9 m=56
